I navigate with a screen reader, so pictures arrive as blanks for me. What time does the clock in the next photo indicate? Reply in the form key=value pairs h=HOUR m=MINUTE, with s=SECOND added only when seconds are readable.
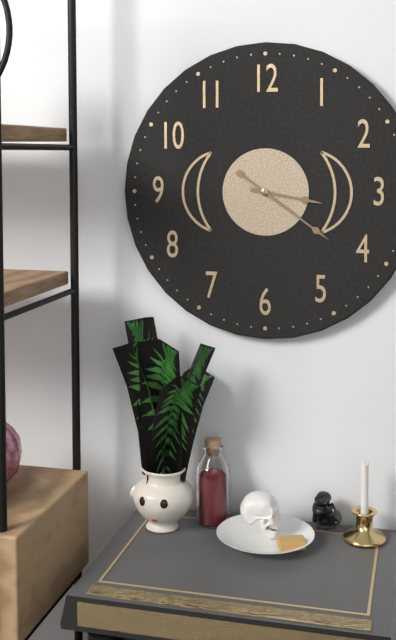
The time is h=3 m=21
